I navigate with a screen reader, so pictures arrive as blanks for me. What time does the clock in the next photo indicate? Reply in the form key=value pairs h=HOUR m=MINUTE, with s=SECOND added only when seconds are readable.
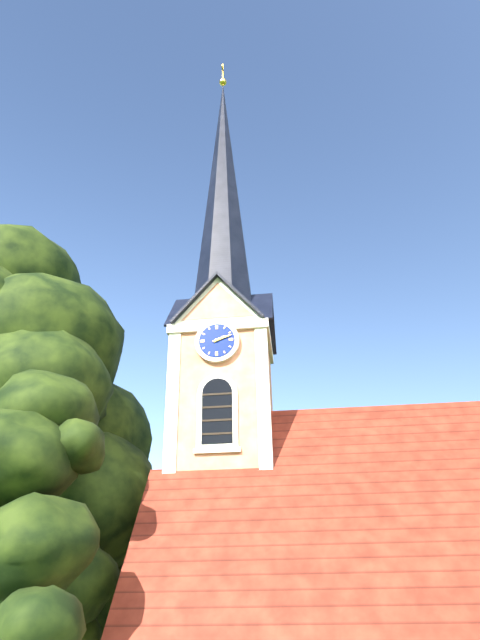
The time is h=2 m=12
